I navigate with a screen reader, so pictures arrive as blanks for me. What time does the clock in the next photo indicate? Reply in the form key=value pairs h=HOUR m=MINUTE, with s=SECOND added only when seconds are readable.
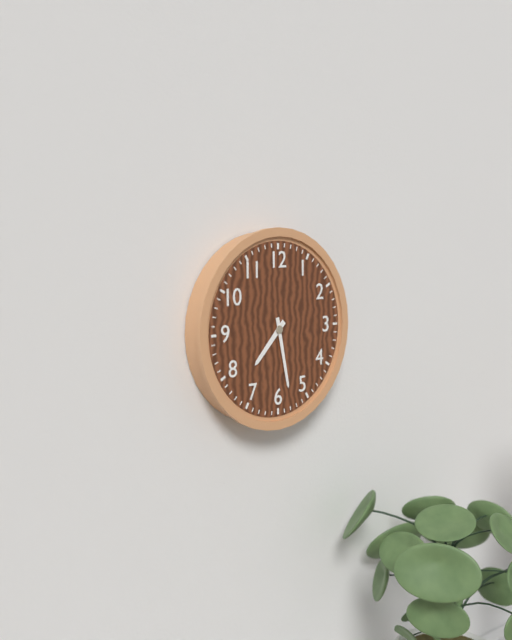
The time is h=7 m=28
